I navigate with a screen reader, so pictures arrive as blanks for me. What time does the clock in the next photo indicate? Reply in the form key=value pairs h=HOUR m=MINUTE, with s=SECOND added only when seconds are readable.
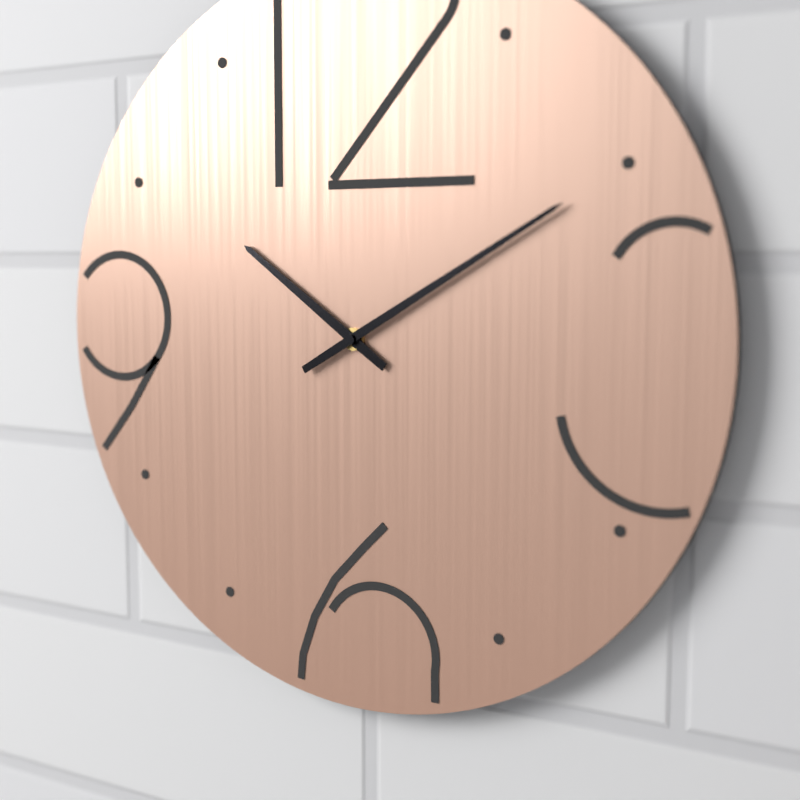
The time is h=10 m=10
